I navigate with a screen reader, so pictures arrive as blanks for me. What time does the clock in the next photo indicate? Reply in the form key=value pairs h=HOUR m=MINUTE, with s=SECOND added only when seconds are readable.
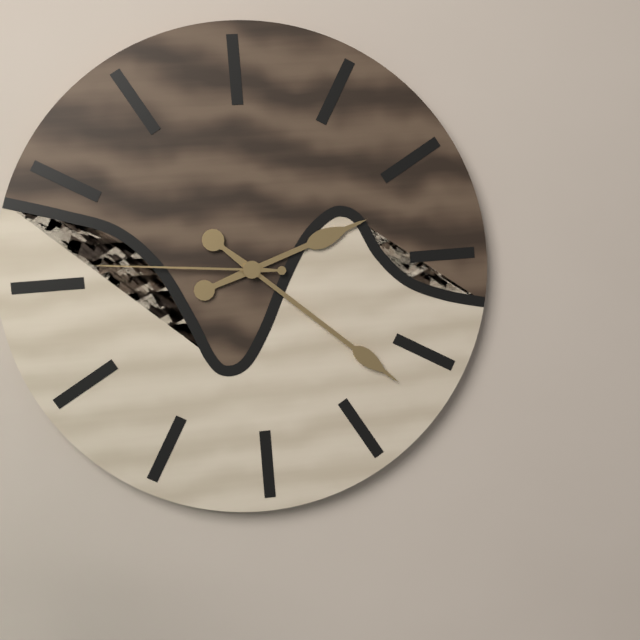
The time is h=2 m=22 s=46
